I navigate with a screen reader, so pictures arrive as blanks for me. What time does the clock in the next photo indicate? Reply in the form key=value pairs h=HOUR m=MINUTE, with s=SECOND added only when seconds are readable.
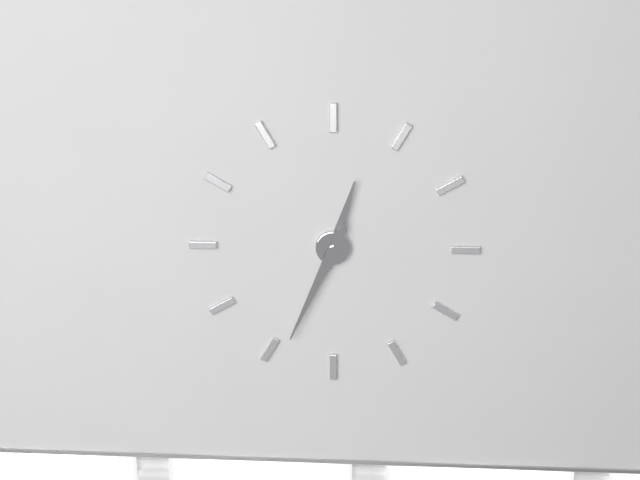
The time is h=12 m=34
